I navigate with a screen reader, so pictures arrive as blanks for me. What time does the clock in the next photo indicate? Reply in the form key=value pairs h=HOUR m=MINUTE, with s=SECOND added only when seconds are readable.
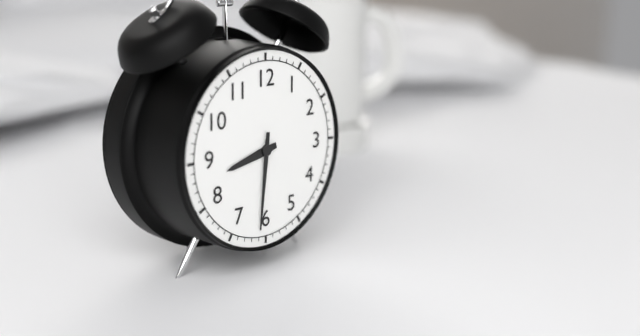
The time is h=8 m=31
